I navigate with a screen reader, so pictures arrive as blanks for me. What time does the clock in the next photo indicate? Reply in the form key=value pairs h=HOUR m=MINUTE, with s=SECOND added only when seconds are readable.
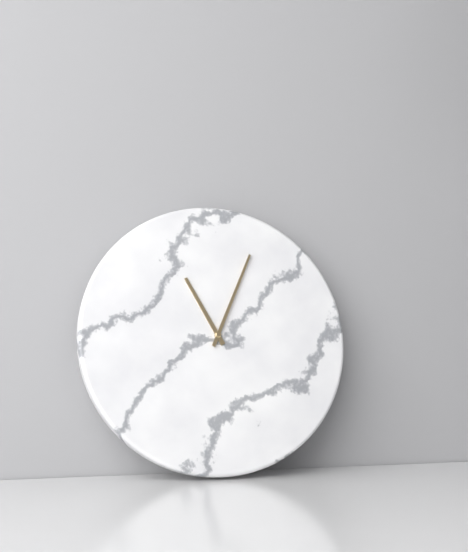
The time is h=11 m=4
